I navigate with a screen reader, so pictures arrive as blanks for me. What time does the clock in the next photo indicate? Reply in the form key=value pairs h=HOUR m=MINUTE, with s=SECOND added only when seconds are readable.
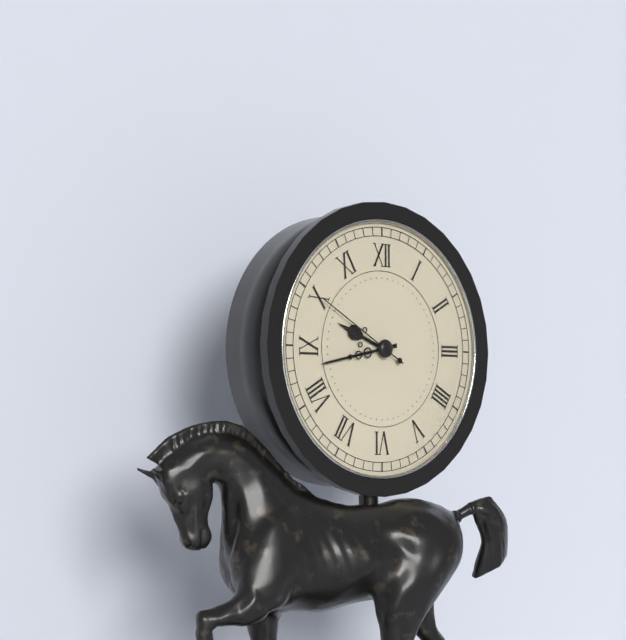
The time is h=9 m=43 s=50
